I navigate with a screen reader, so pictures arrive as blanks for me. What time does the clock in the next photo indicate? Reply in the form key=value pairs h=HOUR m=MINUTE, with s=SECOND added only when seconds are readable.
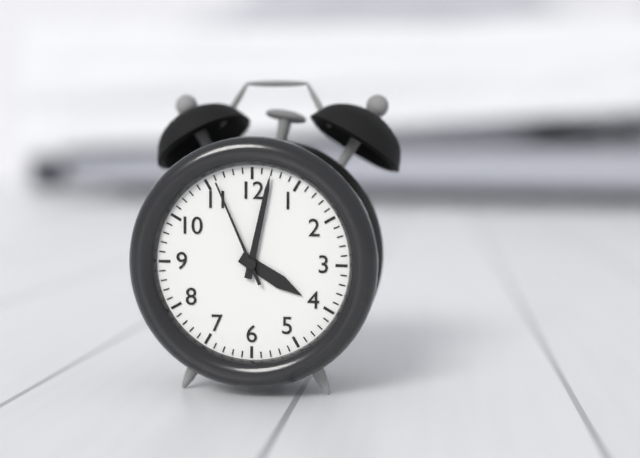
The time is h=4 m=2 s=56
